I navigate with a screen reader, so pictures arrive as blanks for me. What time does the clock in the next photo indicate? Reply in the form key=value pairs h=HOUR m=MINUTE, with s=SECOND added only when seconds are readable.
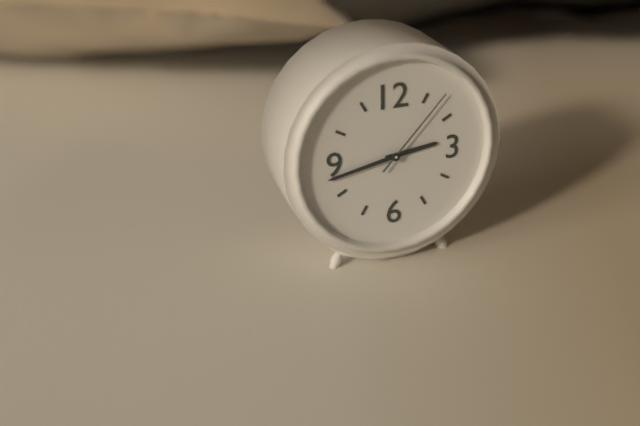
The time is h=2 m=43 s=7
